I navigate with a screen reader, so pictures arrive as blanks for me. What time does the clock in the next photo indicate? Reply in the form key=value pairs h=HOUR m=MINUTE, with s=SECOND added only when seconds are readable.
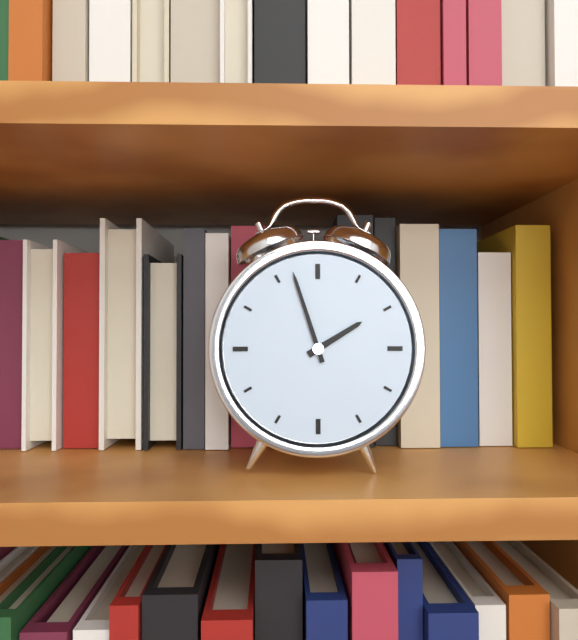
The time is h=1 m=57
